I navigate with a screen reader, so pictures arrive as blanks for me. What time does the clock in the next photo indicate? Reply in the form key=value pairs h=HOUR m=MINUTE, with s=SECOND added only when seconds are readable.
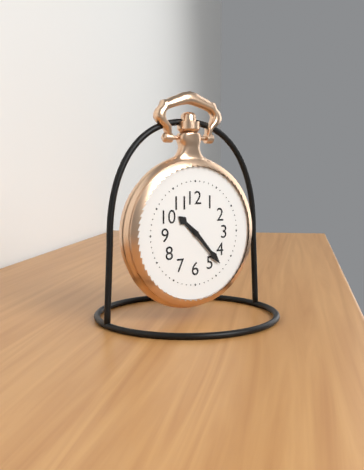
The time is h=10 m=23
